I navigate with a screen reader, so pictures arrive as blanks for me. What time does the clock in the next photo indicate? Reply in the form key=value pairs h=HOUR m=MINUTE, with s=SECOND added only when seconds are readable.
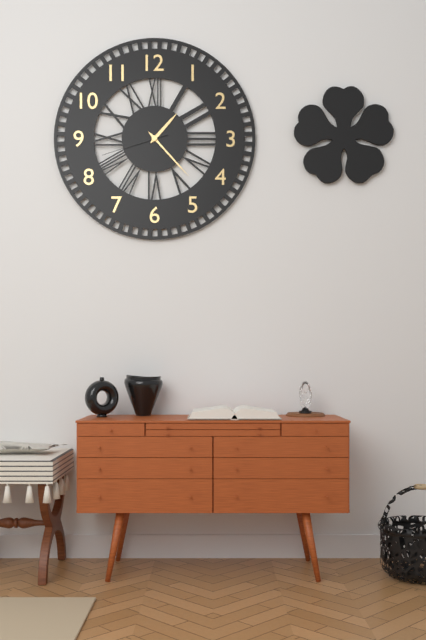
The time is h=1 m=23 s=42
